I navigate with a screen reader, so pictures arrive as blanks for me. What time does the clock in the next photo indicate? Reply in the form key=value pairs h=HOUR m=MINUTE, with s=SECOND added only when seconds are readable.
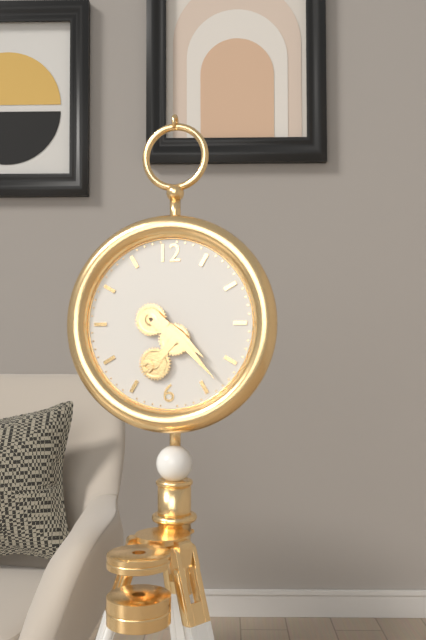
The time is h=4 m=23
